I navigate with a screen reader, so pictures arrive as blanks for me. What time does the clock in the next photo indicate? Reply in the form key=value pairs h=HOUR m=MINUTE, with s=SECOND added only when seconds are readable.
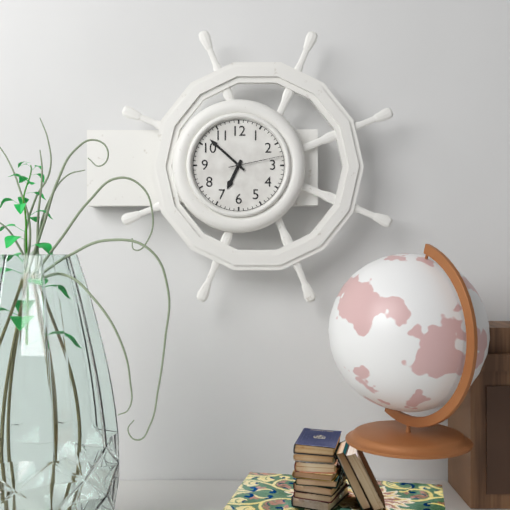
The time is h=6 m=52 s=13
